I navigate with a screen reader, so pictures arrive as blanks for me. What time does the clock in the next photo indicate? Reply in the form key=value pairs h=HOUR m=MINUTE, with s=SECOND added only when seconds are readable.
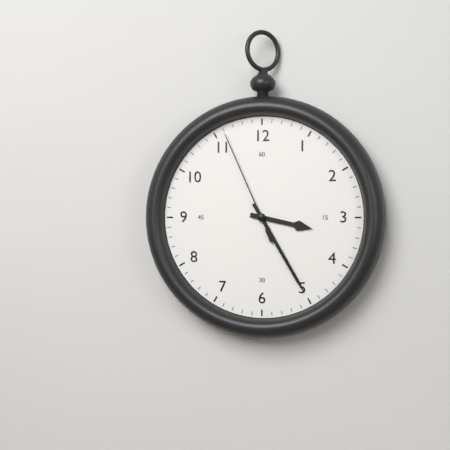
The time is h=3 m=25 s=56
